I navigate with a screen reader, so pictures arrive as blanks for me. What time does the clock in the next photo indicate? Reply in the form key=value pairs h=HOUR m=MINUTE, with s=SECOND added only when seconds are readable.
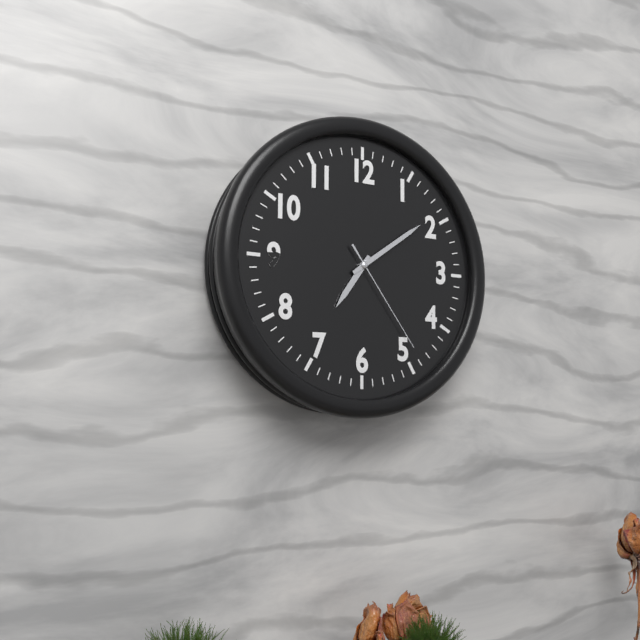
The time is h=7 m=9 s=24
